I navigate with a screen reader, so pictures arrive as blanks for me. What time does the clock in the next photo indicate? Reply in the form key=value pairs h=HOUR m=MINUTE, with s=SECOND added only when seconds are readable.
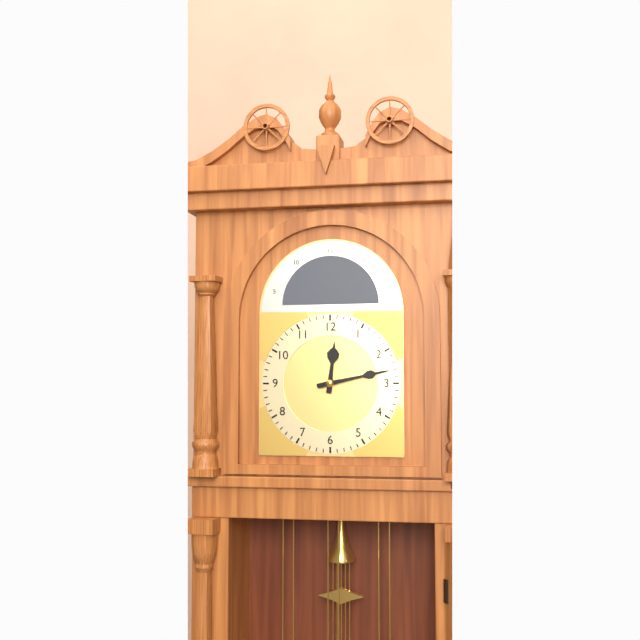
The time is h=12 m=13
